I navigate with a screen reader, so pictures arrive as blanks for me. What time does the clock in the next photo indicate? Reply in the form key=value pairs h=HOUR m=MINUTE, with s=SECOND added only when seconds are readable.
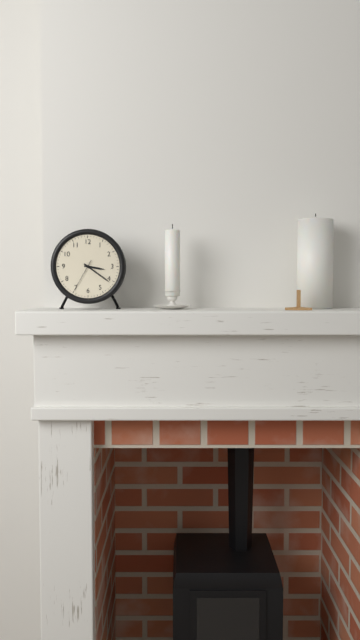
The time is h=3 m=21
